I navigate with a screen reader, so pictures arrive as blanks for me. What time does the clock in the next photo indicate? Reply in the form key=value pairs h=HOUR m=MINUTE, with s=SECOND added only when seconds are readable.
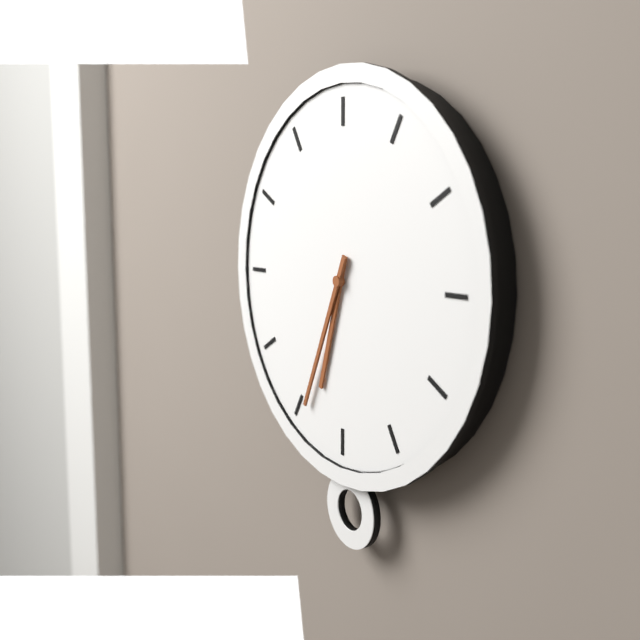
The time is h=6 m=34
